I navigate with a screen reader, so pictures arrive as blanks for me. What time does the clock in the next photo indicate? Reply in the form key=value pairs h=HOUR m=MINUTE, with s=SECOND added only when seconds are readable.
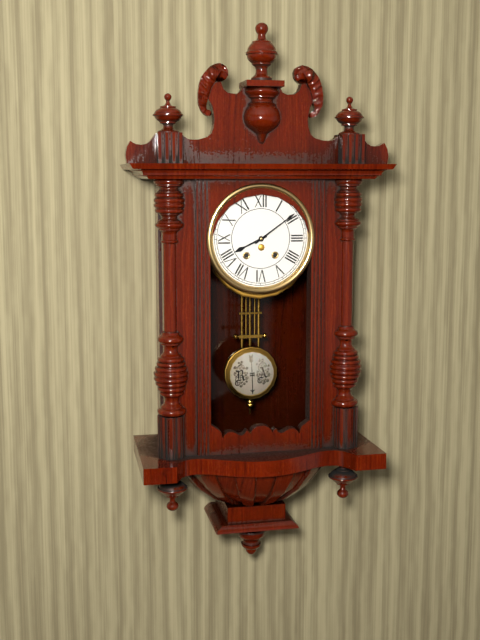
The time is h=8 m=9
